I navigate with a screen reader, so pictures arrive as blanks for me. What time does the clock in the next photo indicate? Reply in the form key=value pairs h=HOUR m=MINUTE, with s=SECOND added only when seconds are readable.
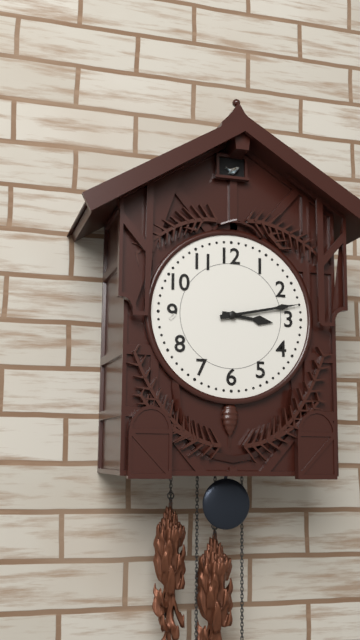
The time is h=3 m=13
